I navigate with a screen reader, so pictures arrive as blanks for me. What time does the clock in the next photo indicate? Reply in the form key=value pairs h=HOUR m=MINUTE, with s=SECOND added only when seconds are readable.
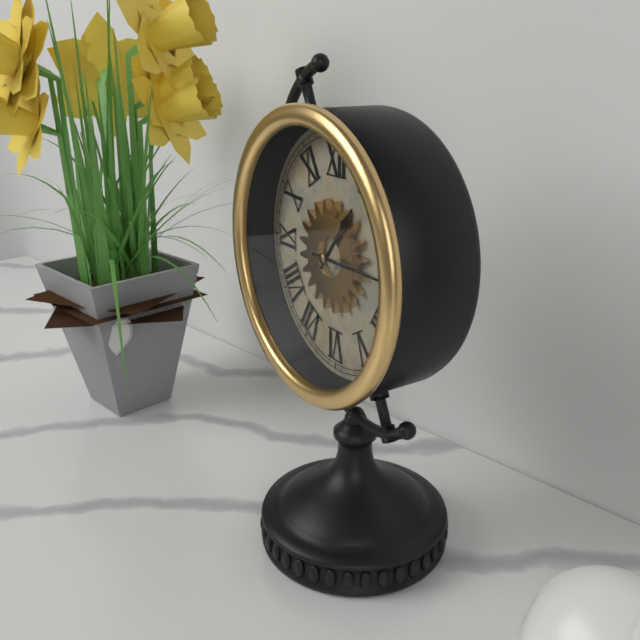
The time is h=1 m=15
